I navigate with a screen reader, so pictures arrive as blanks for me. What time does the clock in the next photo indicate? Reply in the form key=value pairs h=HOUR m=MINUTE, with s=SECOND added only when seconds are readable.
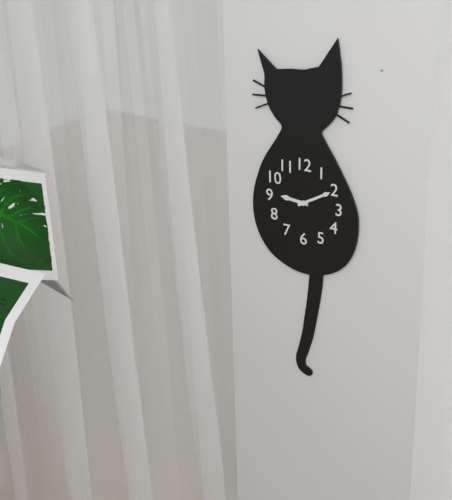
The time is h=9 m=10
